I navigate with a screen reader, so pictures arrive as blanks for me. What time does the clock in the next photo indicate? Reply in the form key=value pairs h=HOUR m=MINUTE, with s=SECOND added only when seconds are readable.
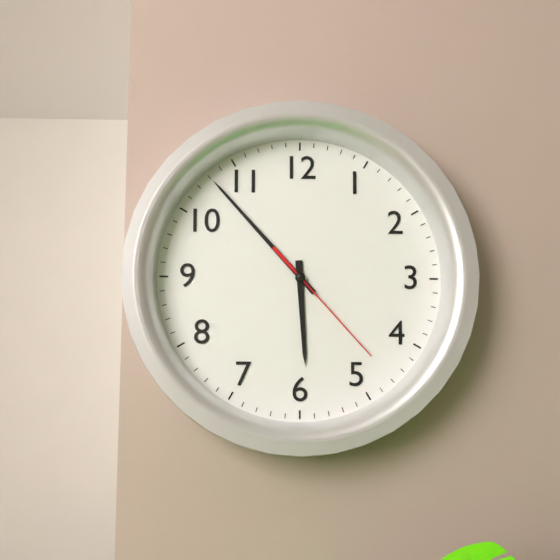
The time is h=5 m=53 s=23
